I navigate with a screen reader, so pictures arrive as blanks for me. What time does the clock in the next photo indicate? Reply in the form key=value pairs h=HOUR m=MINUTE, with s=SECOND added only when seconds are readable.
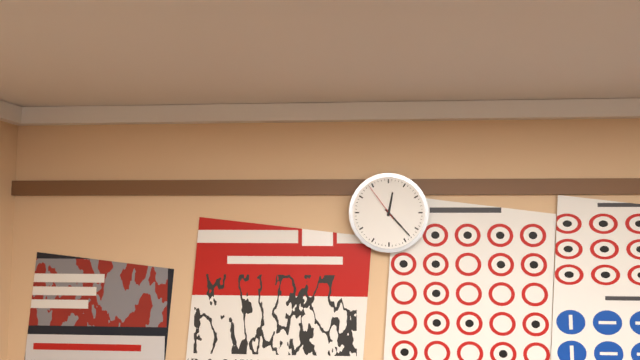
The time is h=12 m=23
